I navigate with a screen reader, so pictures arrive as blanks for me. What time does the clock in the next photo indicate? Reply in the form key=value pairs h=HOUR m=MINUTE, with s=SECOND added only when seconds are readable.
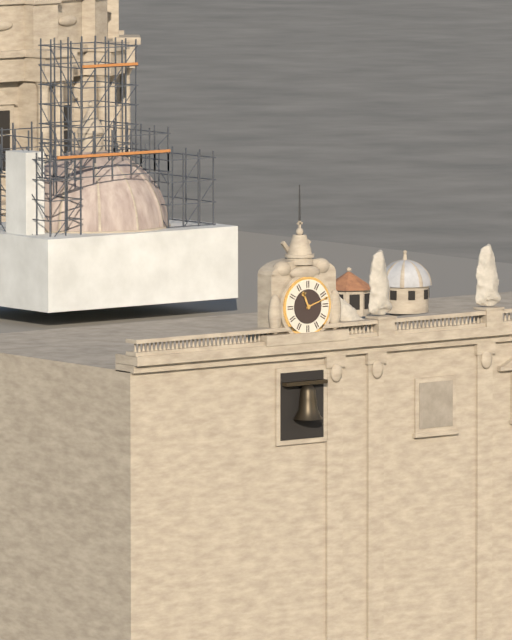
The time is h=11 m=12
